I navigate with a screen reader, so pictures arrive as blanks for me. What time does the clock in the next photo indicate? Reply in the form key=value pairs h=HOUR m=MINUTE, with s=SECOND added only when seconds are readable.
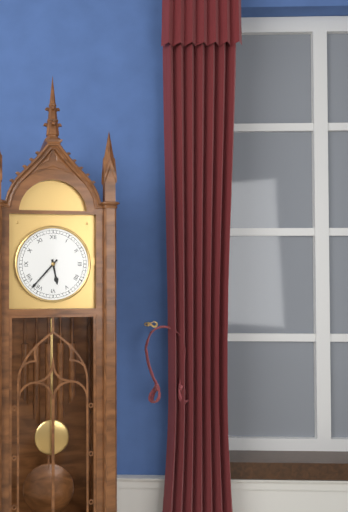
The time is h=5 m=37
